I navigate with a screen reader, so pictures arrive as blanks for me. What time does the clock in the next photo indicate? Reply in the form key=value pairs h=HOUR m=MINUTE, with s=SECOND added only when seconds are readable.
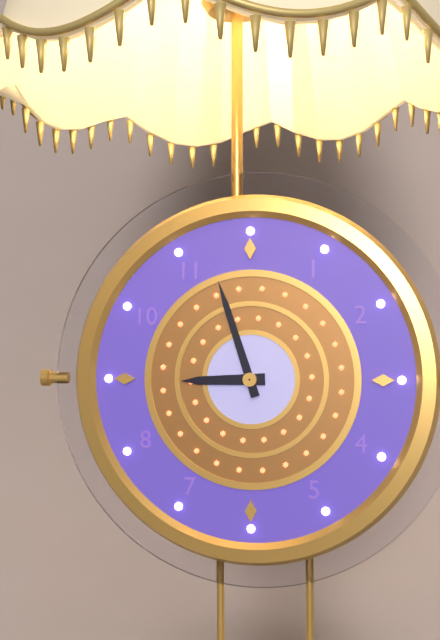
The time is h=8 m=57
